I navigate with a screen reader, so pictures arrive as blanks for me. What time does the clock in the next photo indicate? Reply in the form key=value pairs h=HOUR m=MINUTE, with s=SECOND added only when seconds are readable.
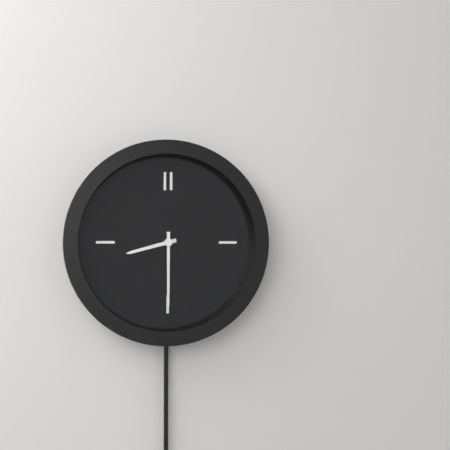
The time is h=8 m=30
